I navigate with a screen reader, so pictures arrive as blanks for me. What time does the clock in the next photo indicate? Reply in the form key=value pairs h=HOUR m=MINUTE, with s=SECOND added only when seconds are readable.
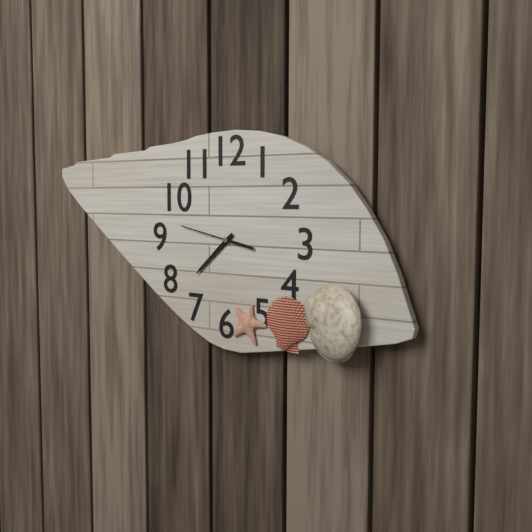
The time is h=7 m=38 s=47
